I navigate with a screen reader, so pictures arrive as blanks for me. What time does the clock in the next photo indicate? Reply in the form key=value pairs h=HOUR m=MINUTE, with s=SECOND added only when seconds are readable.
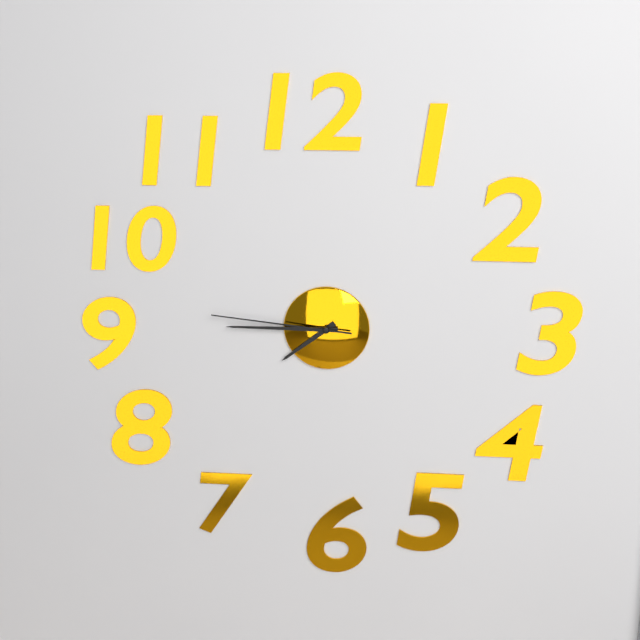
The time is h=7 m=45 s=46
